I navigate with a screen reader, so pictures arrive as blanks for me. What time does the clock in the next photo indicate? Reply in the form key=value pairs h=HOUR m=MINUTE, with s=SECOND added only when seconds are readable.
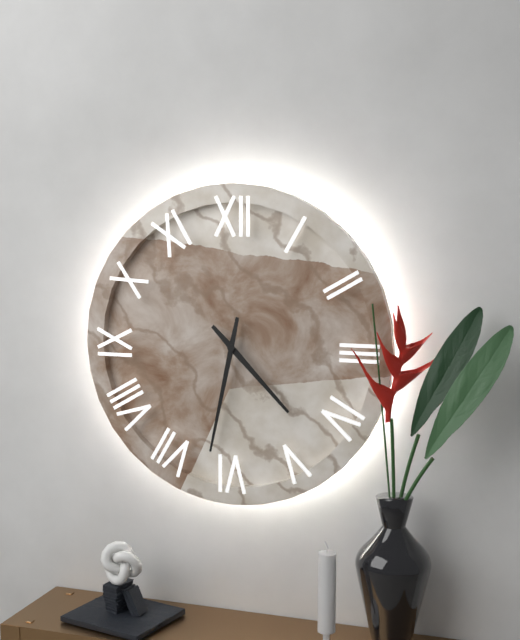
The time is h=4 m=32
